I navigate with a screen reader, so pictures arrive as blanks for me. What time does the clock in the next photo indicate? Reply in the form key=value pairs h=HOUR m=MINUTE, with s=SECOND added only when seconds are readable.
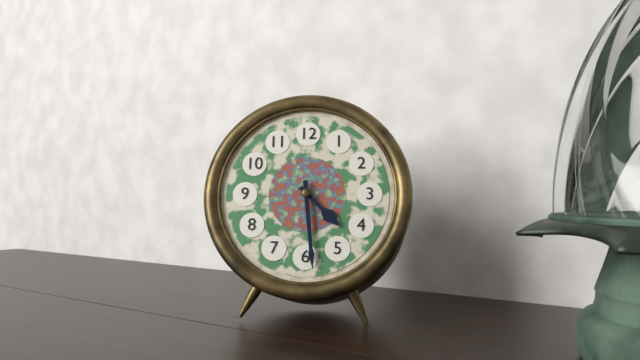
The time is h=4 m=29
